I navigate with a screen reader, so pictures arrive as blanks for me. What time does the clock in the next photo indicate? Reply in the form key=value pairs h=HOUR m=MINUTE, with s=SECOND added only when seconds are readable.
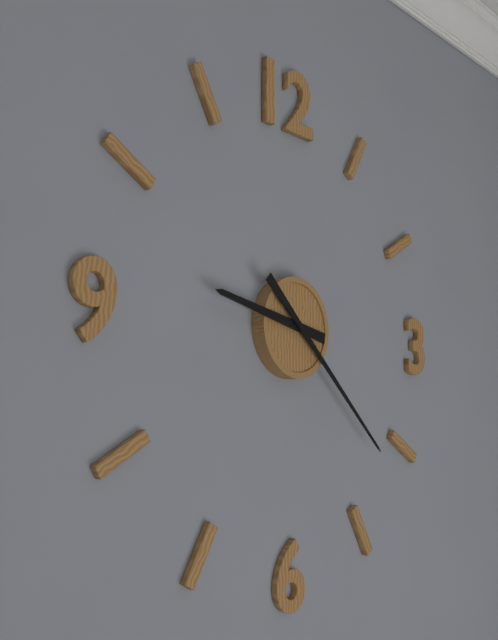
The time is h=9 m=22
